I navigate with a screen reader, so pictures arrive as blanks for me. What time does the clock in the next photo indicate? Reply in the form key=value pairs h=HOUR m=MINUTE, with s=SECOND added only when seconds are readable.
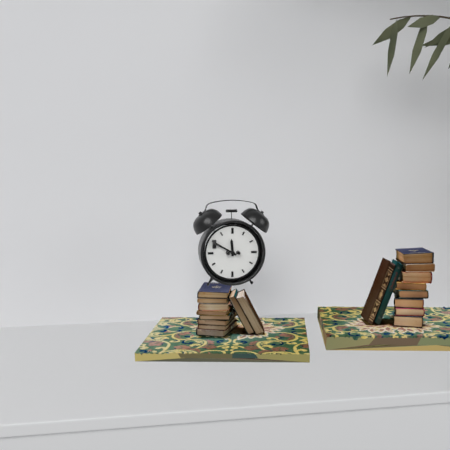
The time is h=11 m=50
